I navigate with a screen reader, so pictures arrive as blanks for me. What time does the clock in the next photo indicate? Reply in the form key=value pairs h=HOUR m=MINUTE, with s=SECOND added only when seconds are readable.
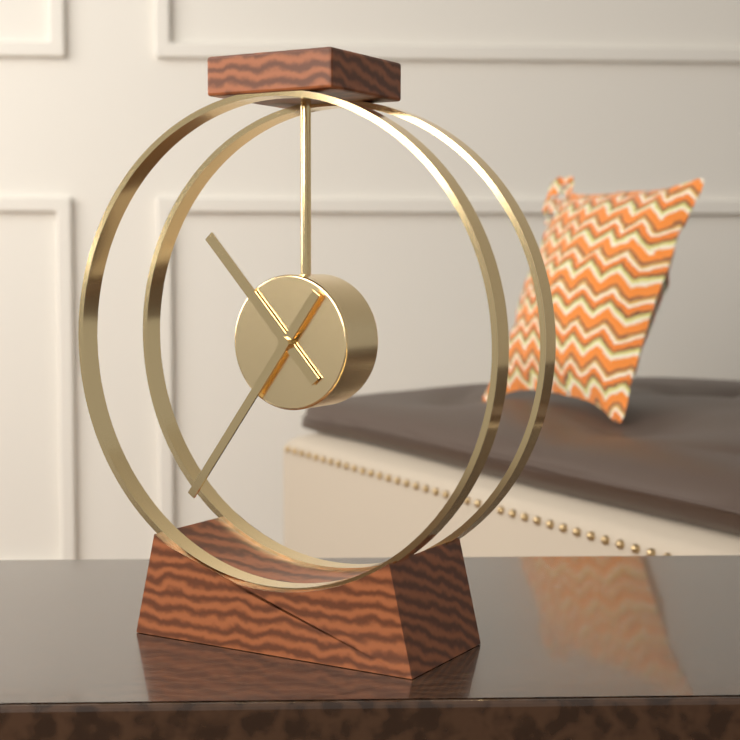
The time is h=10 m=36
